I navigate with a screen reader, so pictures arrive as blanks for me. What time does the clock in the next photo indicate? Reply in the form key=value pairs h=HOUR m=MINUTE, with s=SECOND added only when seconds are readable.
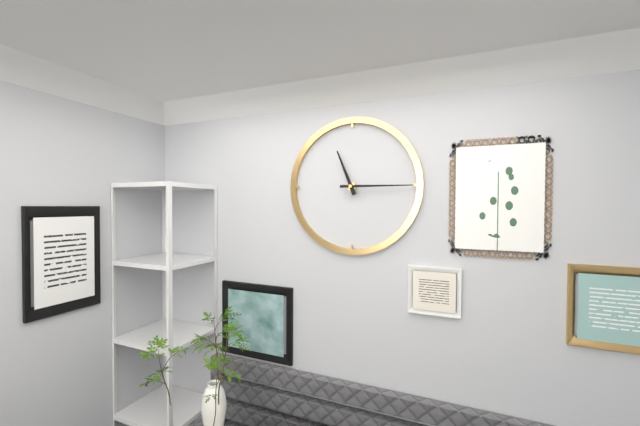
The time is h=11 m=15
